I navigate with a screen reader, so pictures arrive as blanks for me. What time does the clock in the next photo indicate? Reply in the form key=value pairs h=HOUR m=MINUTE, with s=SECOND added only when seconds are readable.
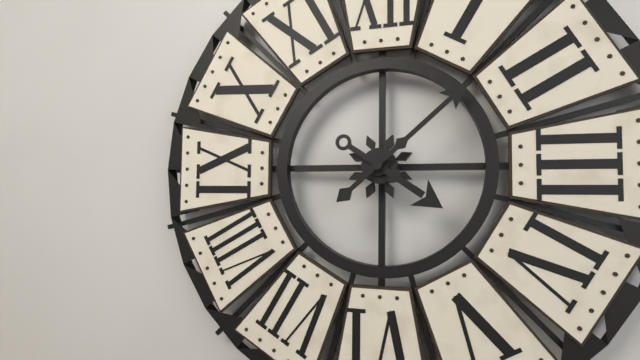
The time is h=4 m=8
